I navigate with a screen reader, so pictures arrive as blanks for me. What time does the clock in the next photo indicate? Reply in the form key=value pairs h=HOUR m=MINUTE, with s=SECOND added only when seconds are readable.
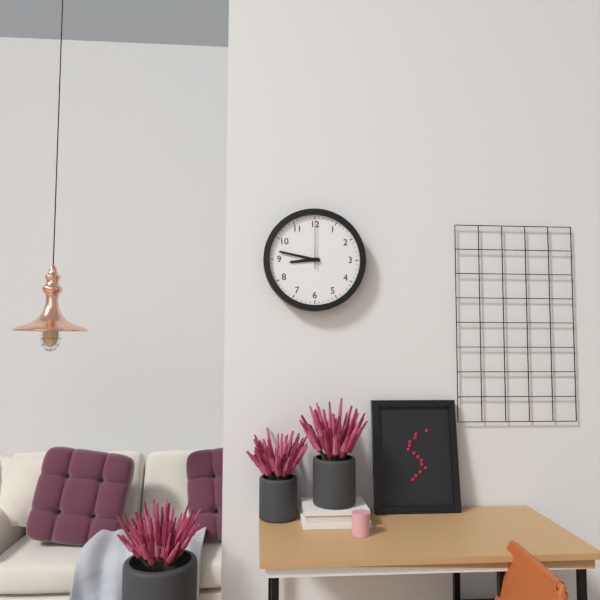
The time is h=8 m=47
